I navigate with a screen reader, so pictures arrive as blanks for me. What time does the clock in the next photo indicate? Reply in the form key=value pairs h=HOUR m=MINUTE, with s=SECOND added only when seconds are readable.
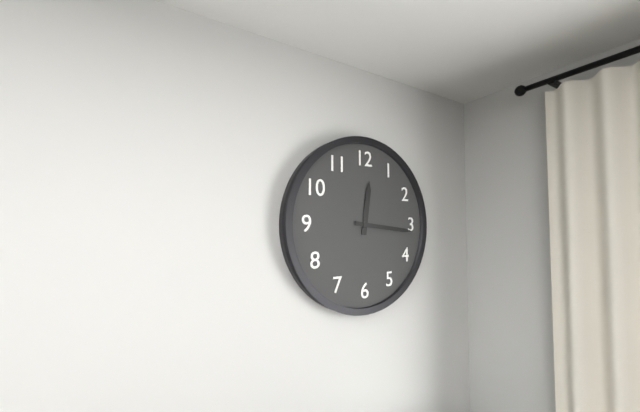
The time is h=12 m=16
